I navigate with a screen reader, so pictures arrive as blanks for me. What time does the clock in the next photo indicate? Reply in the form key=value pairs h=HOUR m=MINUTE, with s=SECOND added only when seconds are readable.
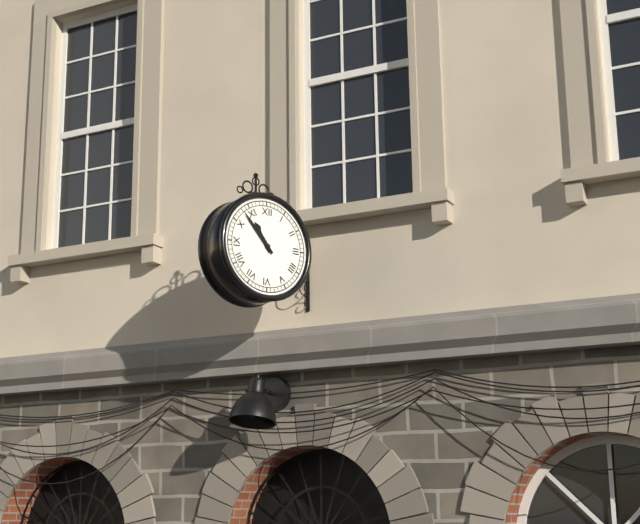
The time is h=10 m=53
